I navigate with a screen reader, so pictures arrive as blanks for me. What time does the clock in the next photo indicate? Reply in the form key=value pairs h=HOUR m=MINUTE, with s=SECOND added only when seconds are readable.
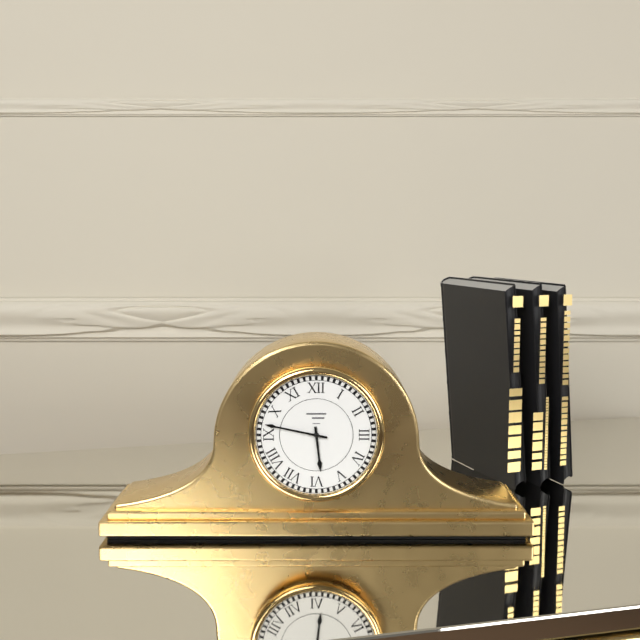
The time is h=5 m=47
